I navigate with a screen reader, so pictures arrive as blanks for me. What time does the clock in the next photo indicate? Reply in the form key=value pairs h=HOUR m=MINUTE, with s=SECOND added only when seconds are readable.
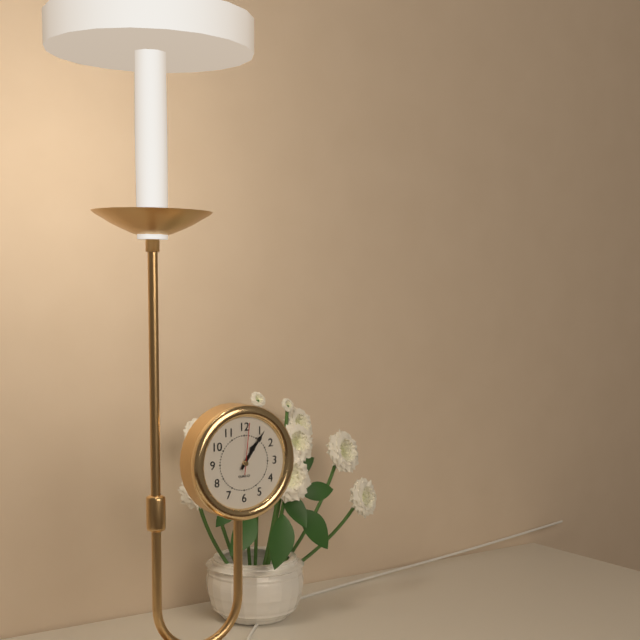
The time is h=1 m=6 s=1
